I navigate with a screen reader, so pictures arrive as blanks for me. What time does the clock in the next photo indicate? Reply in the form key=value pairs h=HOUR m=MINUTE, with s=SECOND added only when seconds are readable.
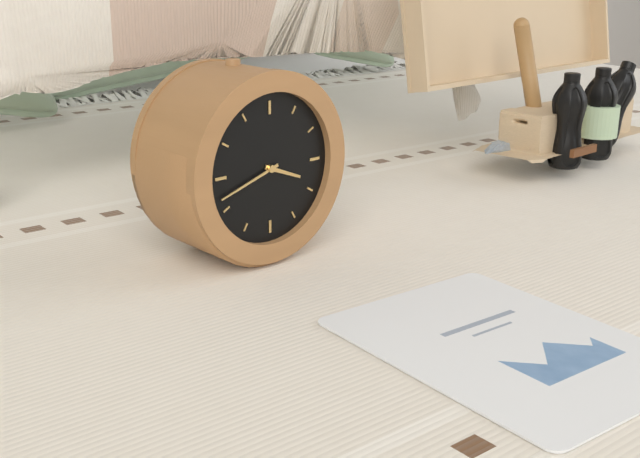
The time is h=3 m=42
